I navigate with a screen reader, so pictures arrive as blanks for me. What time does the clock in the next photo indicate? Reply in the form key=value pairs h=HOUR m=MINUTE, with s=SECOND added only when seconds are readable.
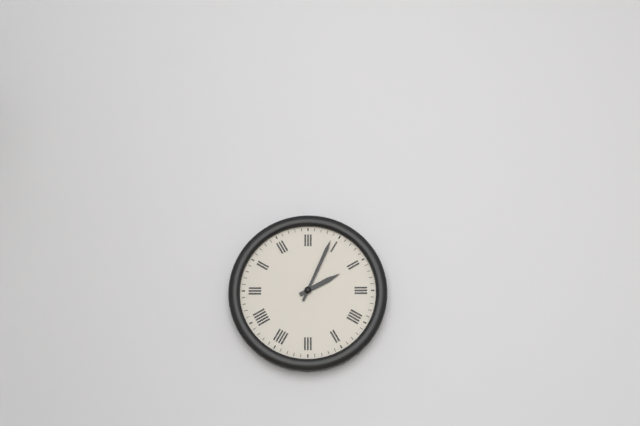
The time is h=2 m=4
